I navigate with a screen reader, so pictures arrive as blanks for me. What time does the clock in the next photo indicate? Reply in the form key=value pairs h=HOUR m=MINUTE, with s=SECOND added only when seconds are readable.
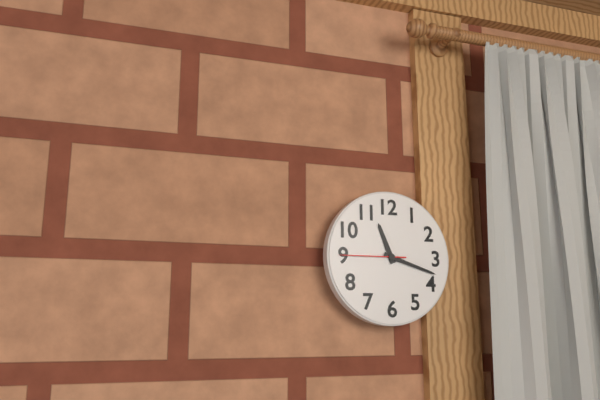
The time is h=11 m=18 s=45
